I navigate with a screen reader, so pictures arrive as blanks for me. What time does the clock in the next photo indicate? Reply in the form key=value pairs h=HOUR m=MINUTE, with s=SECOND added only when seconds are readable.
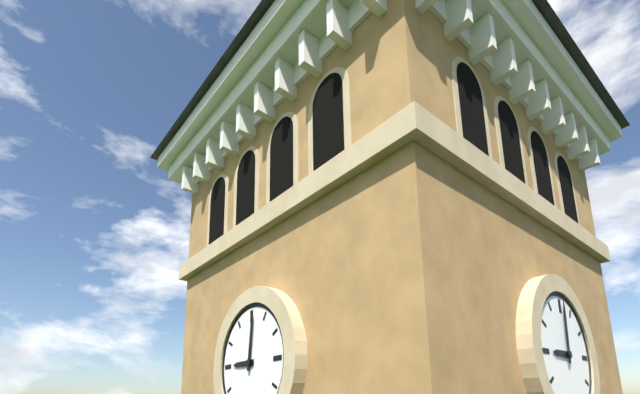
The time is h=9 m=1
